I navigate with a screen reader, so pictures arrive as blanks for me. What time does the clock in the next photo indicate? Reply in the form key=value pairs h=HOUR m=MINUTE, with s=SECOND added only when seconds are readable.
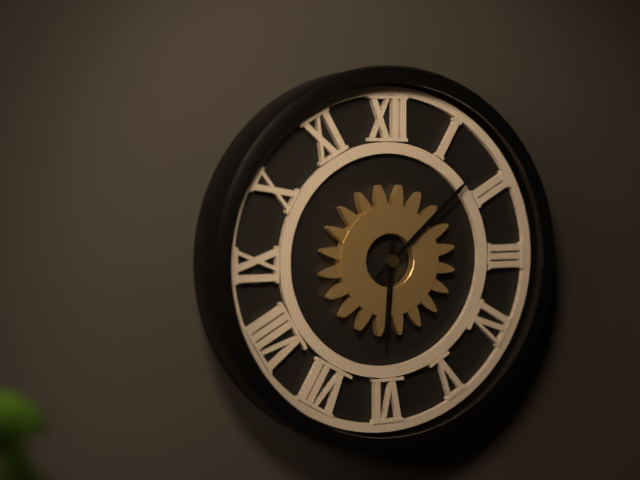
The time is h=6 m=8
